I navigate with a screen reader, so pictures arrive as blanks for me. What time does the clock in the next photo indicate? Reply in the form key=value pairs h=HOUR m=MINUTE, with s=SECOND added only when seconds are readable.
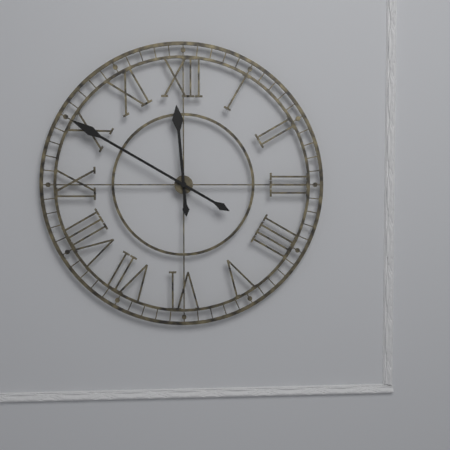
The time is h=11 m=50
